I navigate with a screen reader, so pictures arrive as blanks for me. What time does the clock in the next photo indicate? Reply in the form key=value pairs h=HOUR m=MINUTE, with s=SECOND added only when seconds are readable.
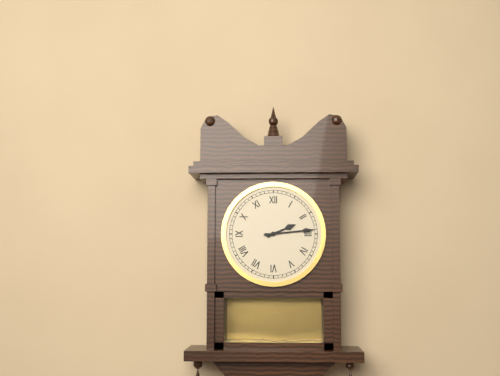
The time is h=2 m=14
